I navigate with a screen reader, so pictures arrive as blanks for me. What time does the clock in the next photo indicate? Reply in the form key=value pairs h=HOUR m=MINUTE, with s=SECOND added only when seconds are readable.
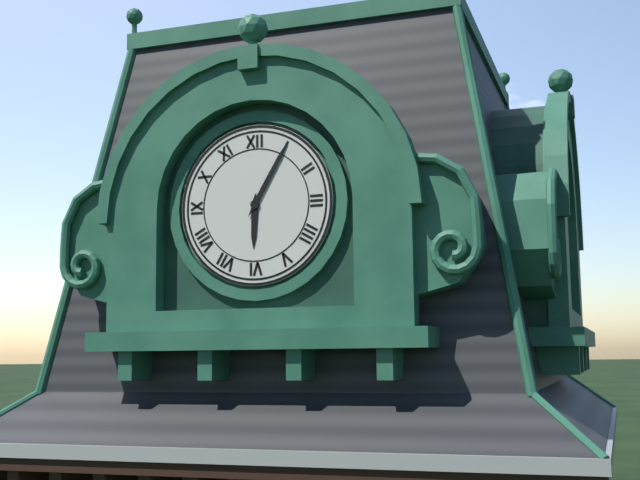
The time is h=6 m=5
